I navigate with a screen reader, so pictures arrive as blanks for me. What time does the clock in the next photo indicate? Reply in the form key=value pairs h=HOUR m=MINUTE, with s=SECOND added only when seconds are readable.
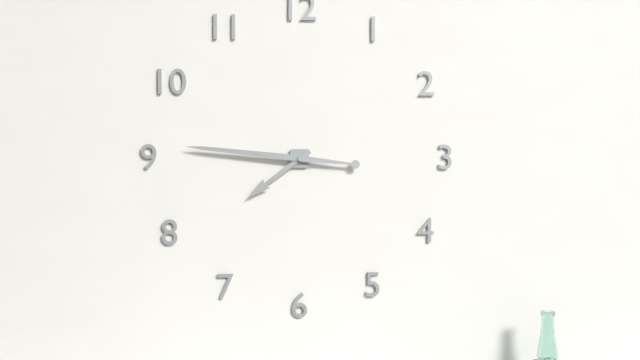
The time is h=7 m=46
